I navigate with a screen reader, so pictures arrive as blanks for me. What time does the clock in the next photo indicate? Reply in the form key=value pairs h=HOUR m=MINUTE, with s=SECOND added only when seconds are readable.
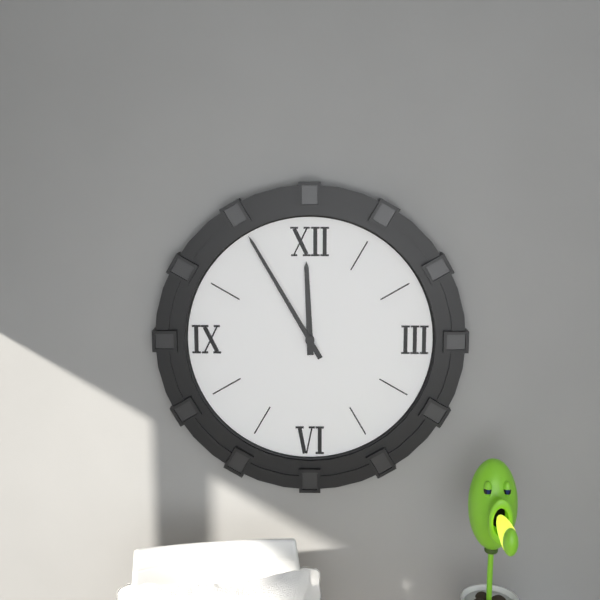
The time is h=11 m=55
